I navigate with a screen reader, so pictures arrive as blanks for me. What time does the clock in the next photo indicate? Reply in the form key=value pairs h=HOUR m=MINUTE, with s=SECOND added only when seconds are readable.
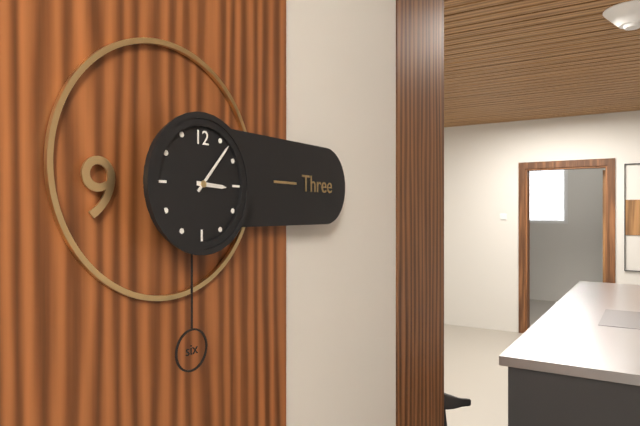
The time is h=3 m=7
